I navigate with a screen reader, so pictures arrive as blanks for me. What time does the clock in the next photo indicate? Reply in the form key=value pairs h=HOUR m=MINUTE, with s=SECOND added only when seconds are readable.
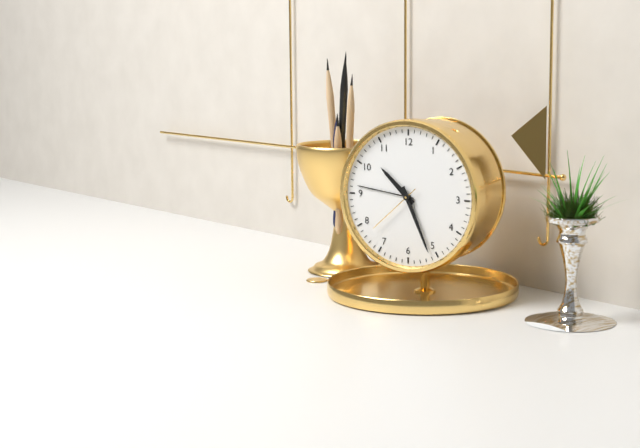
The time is h=10 m=26 s=38
